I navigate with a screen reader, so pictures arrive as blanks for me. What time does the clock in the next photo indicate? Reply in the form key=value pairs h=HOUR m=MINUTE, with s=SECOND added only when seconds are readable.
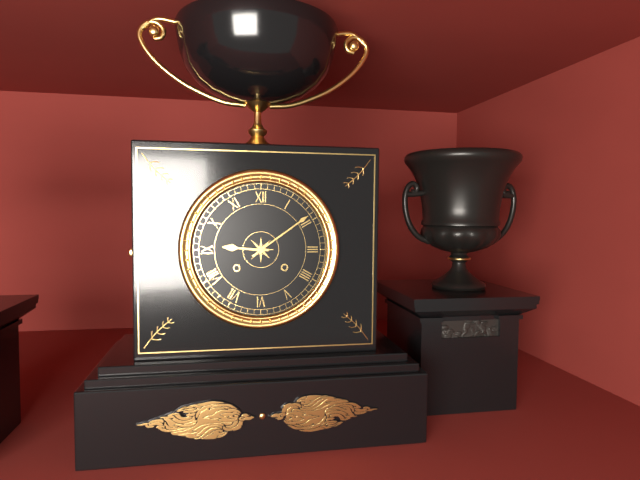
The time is h=9 m=9
